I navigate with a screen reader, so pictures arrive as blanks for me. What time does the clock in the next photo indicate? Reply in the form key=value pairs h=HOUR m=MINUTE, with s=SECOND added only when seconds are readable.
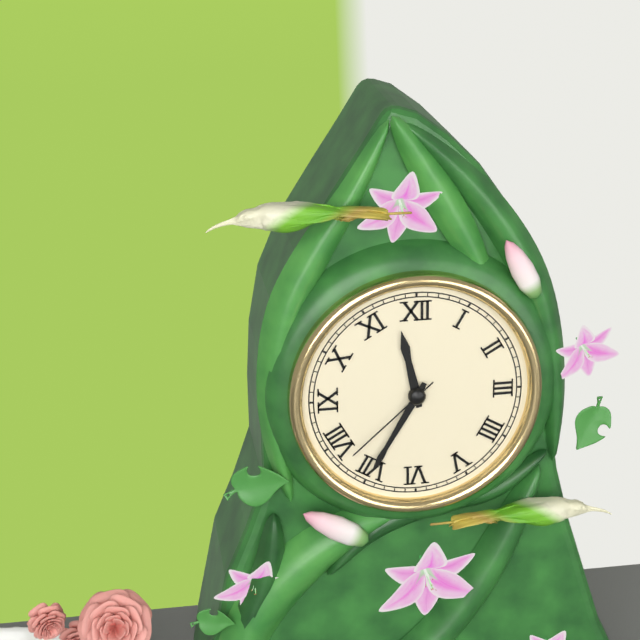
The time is h=11 m=35 s=38
